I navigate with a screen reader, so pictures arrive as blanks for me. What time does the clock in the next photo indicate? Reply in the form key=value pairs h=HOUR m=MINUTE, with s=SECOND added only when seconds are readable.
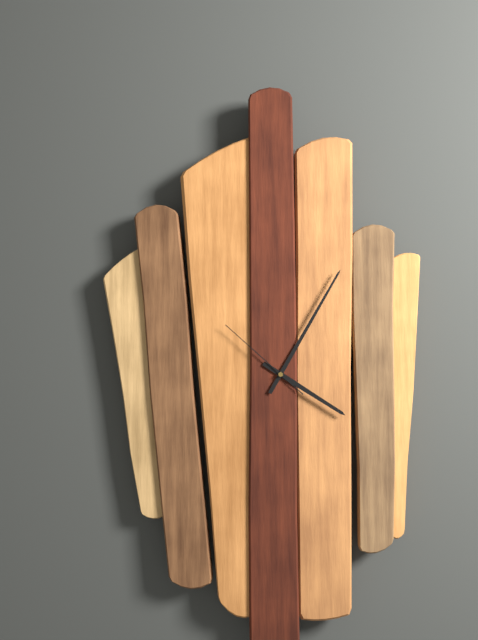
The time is h=4 m=5 s=52
